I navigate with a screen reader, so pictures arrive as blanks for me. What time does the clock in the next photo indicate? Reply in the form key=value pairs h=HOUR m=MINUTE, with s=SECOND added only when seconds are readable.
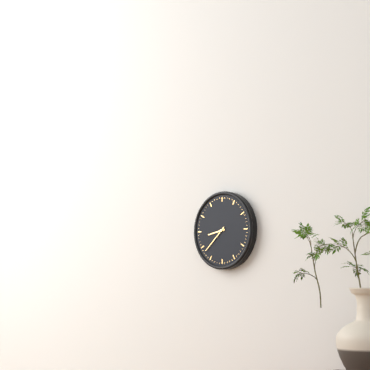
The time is h=8 m=38
